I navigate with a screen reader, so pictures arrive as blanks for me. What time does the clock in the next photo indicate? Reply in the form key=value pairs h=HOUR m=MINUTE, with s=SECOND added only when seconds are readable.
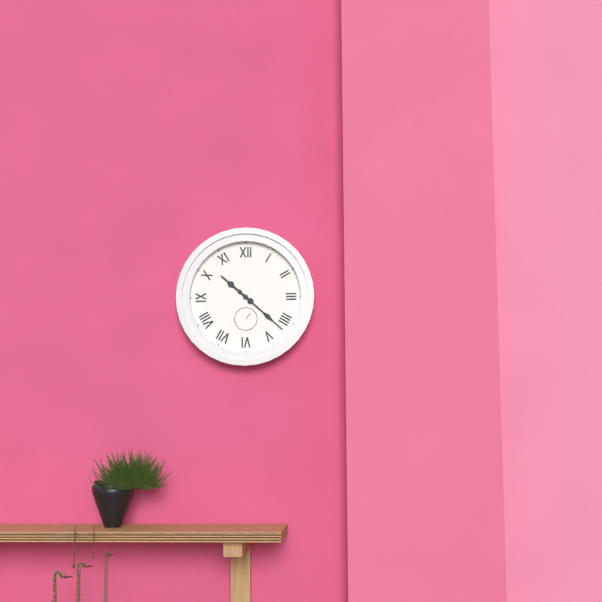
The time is h=10 m=22
